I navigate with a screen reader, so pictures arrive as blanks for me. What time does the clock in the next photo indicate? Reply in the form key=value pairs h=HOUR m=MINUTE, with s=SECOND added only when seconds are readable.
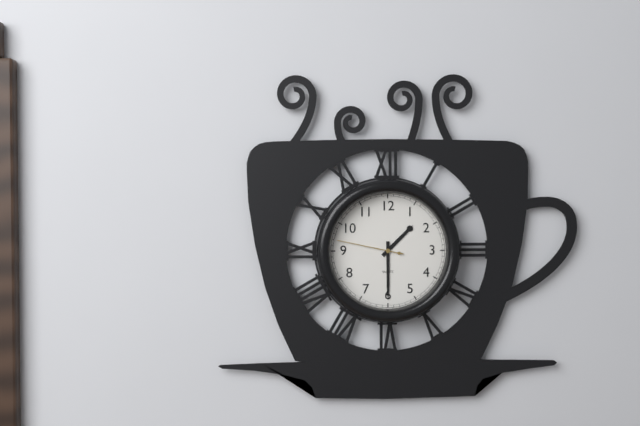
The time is h=1 m=30 s=47
